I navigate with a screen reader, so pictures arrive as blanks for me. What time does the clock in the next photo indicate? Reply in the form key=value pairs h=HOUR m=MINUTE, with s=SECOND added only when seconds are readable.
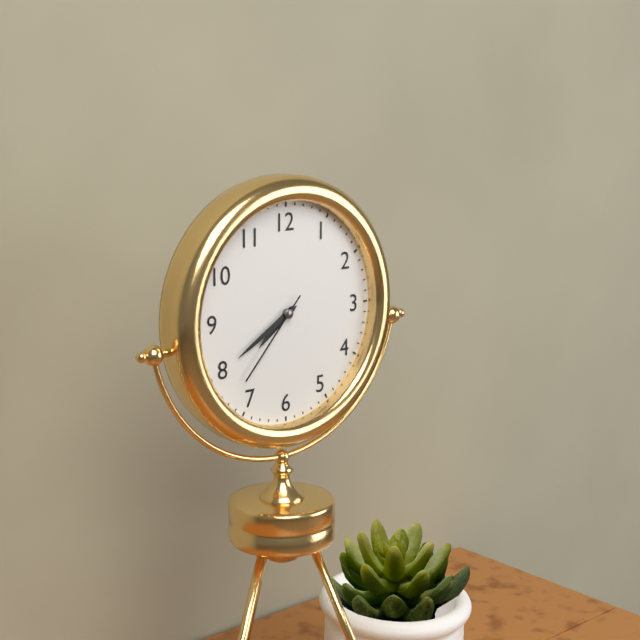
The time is h=7 m=40 s=37
